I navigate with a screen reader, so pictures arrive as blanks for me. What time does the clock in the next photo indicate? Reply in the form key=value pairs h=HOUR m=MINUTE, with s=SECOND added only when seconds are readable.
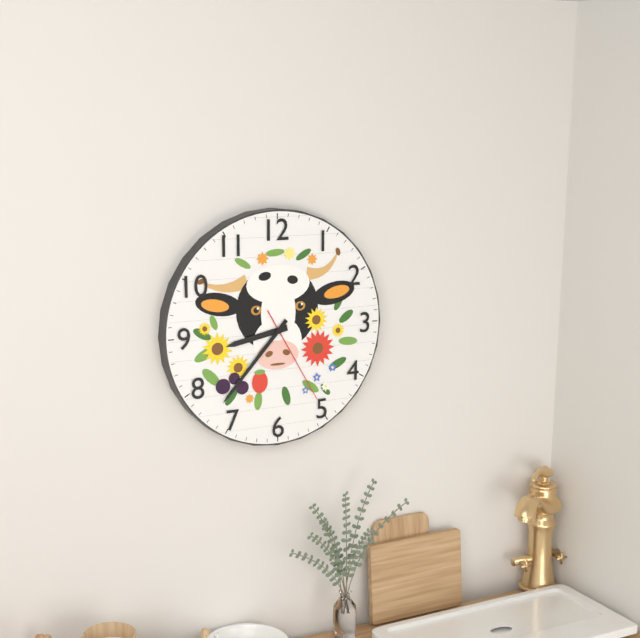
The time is h=8 m=37 s=25
